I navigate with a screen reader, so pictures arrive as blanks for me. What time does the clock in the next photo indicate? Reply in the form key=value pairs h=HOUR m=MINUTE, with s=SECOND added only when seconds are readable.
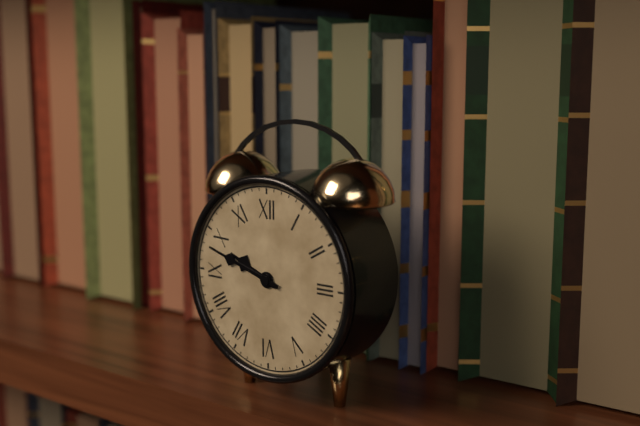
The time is h=9 m=48
